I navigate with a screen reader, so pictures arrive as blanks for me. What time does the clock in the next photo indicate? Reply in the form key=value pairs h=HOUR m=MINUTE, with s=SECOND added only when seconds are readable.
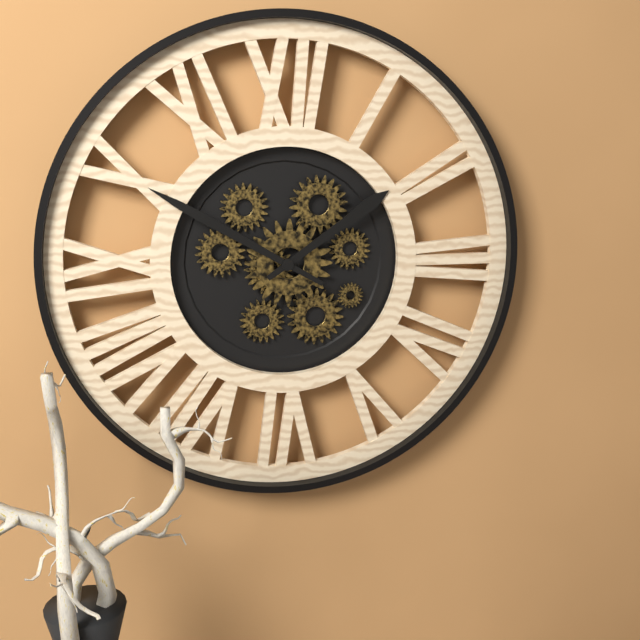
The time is h=1 m=50
